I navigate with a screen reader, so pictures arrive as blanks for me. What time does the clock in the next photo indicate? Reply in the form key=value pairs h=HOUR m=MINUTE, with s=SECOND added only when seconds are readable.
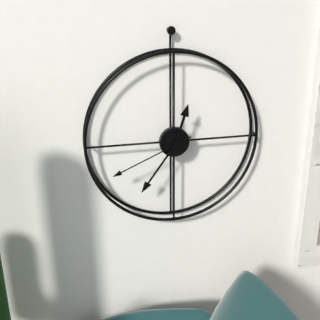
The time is h=12 m=36 s=41
